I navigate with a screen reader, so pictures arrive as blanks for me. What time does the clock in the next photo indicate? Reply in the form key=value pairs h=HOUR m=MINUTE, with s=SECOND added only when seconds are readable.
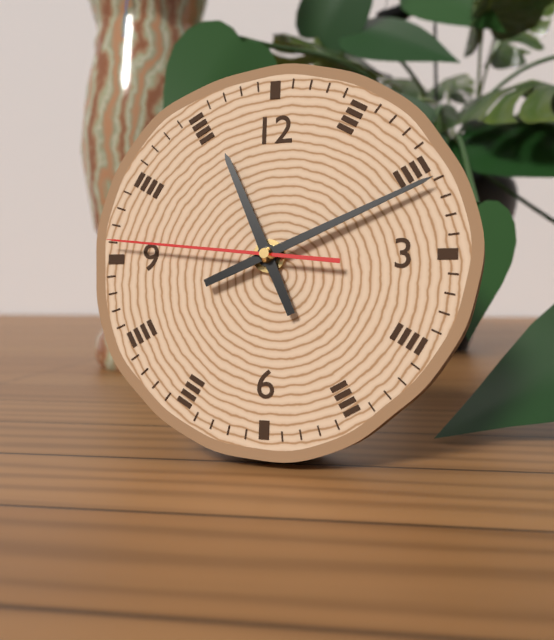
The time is h=11 m=11 s=46
